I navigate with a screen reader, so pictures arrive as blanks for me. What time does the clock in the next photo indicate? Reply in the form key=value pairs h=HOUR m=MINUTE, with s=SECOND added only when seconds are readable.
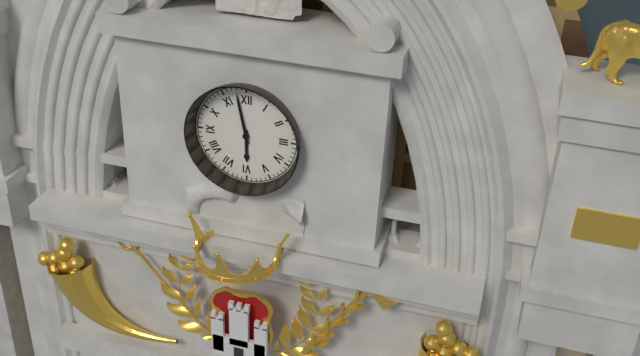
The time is h=5 m=58
